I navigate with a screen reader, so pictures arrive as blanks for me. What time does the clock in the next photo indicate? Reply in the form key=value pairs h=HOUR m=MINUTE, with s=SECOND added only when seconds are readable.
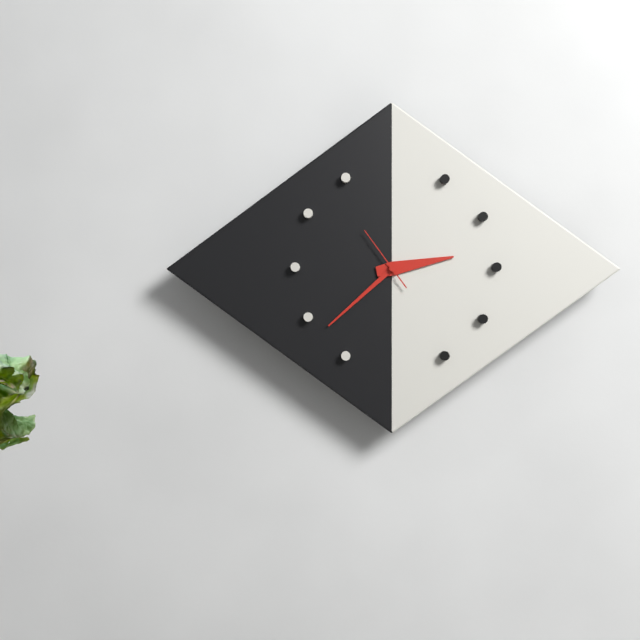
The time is h=2 m=38 s=54
